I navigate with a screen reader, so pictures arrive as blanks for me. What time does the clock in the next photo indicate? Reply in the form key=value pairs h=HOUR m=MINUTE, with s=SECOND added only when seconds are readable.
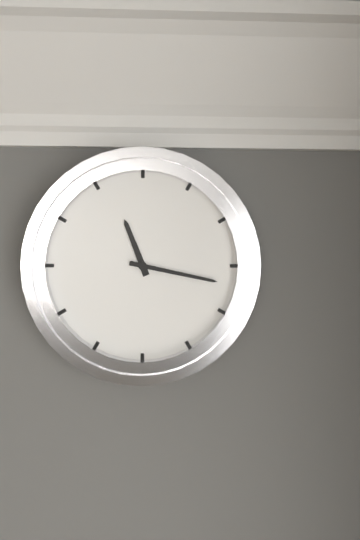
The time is h=11 m=17
